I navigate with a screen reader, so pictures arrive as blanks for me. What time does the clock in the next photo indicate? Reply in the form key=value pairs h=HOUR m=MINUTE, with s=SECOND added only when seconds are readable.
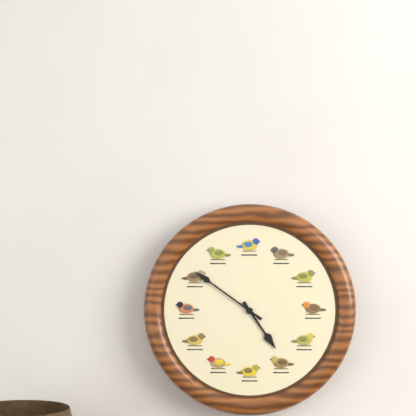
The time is h=4 m=51
